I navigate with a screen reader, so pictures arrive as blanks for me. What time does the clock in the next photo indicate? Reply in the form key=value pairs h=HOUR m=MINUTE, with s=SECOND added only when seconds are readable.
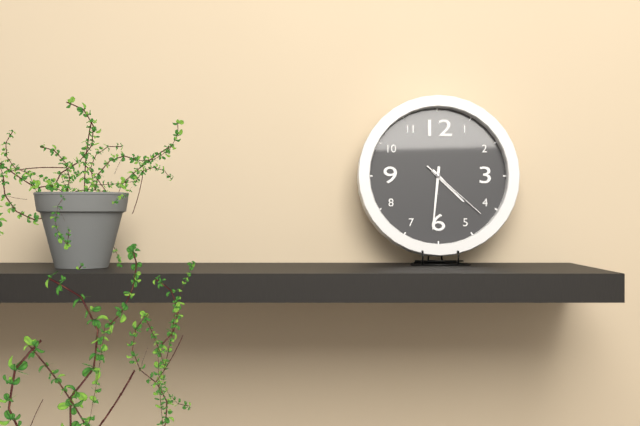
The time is h=4 m=31 s=22
